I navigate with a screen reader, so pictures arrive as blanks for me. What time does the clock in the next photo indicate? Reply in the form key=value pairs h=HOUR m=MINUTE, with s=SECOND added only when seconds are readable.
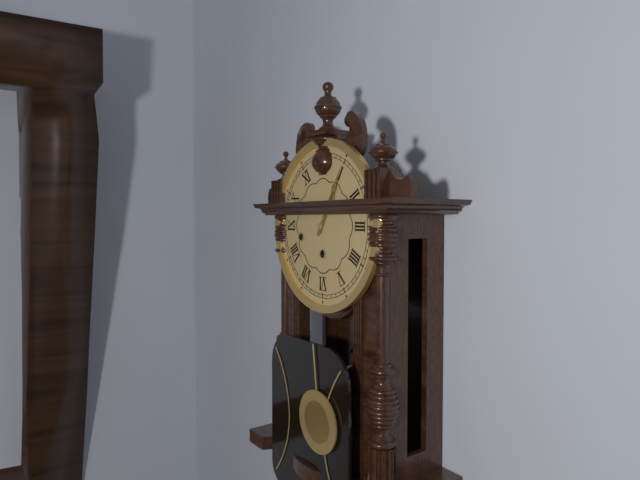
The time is h=1 m=5
